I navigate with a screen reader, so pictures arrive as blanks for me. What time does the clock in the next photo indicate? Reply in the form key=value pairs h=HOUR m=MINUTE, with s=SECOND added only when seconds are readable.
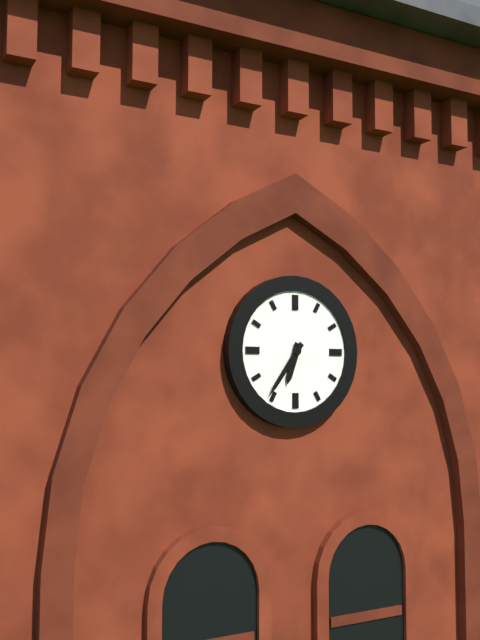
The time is h=6 m=36
